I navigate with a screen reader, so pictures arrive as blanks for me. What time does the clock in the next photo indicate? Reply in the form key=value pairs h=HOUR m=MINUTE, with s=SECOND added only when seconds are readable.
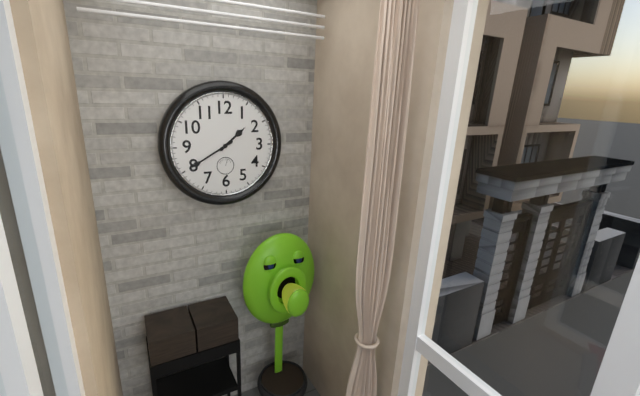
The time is h=1 m=40
